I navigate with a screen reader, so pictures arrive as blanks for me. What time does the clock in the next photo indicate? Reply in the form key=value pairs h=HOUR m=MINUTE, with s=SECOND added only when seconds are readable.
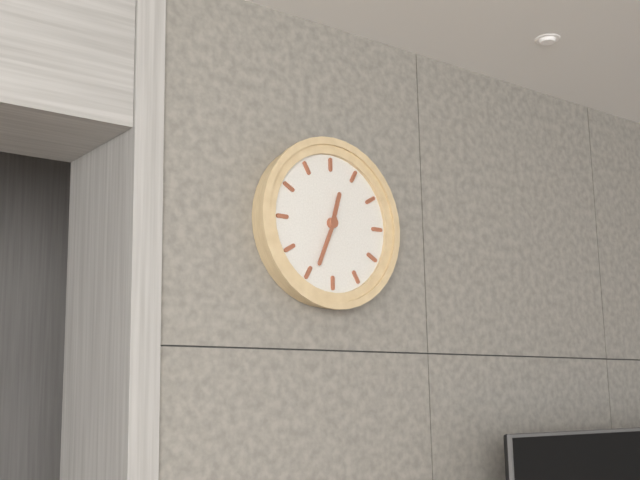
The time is h=12 m=34
